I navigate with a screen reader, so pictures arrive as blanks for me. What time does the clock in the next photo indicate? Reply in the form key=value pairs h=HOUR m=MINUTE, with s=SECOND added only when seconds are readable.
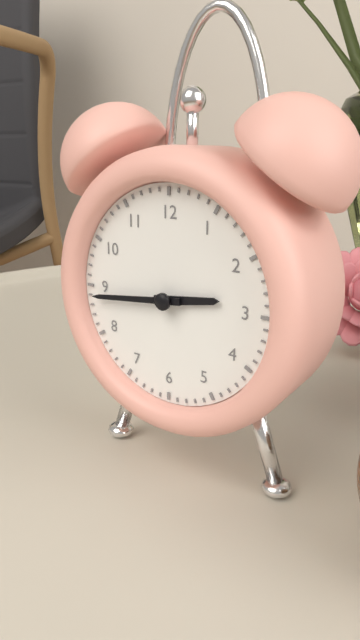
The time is h=2 m=44
